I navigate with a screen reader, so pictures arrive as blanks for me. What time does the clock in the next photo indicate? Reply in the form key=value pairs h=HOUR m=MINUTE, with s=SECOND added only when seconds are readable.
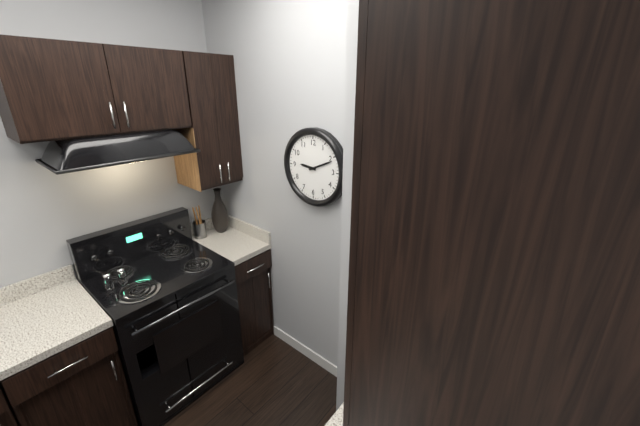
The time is h=9 m=11
